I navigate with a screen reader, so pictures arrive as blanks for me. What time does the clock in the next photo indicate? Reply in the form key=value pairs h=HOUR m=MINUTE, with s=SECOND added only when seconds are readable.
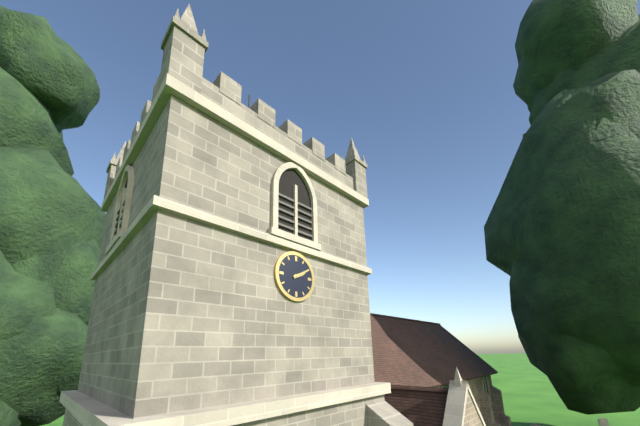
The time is h=2 m=10
